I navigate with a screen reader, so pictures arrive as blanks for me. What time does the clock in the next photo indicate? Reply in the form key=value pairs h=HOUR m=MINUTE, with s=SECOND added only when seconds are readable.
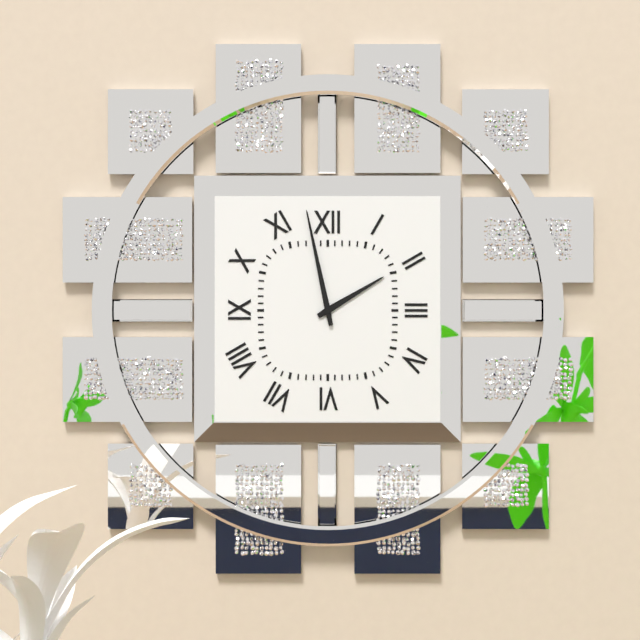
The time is h=1 m=58
